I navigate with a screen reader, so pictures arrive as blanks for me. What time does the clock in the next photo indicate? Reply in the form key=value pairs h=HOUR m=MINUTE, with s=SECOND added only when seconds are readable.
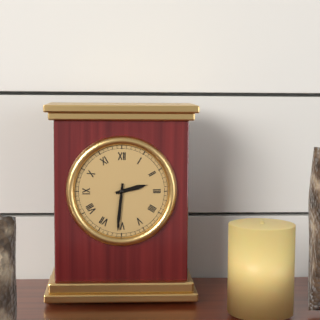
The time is h=2 m=31
